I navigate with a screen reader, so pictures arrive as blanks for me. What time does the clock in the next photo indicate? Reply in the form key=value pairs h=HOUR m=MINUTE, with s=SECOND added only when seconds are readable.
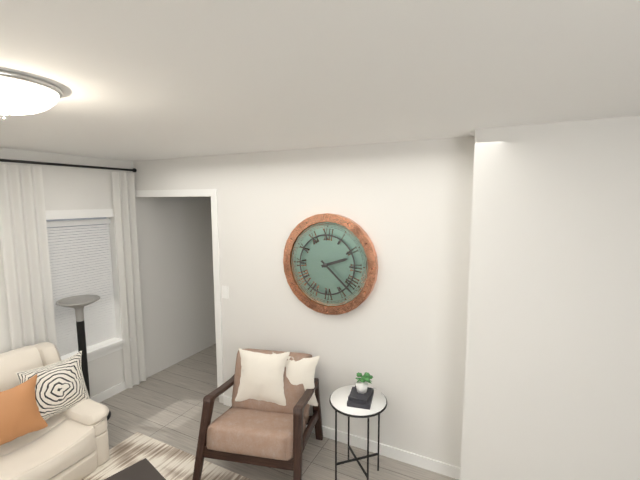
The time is h=2 m=22
